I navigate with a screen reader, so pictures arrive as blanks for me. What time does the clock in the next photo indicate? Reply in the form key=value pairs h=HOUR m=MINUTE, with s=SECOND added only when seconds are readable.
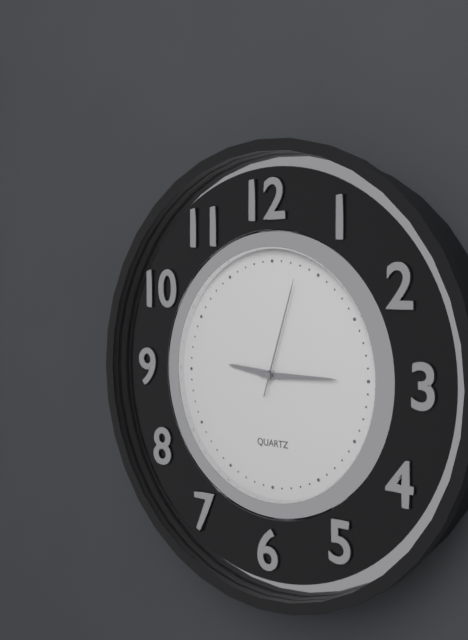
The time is h=9 m=15 s=3
